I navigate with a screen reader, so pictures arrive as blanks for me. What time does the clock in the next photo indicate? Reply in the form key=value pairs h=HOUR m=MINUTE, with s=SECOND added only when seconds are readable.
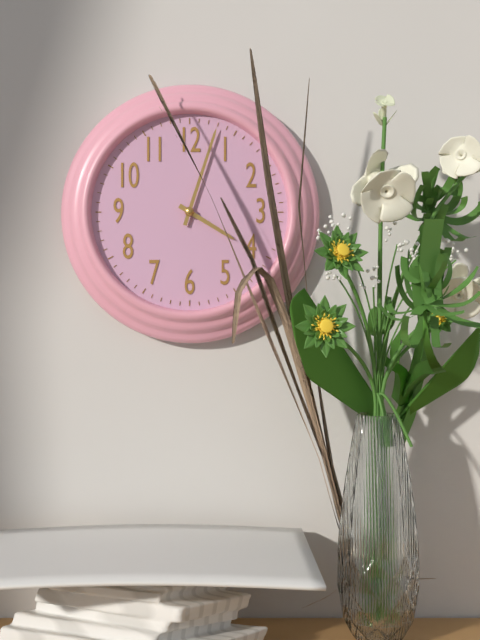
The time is h=4 m=3
